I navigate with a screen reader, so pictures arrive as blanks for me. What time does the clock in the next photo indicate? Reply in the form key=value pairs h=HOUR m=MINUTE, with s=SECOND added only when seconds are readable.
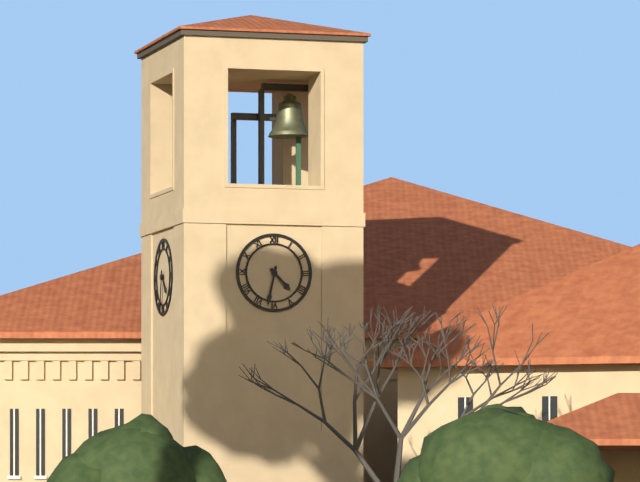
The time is h=4 m=32
